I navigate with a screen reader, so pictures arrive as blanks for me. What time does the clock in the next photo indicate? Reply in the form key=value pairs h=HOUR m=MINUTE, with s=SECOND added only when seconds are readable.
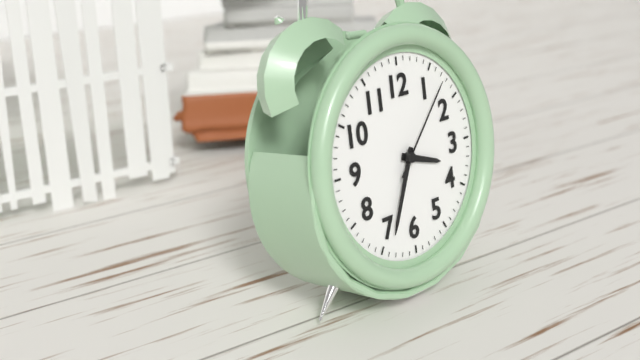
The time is h=3 m=34 s=7
